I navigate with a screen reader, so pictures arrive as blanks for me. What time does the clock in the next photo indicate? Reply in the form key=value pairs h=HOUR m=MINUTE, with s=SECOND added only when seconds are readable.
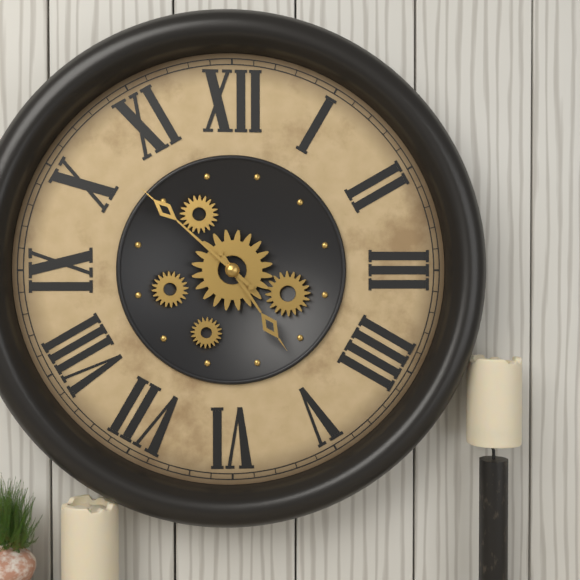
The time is h=4 m=52
